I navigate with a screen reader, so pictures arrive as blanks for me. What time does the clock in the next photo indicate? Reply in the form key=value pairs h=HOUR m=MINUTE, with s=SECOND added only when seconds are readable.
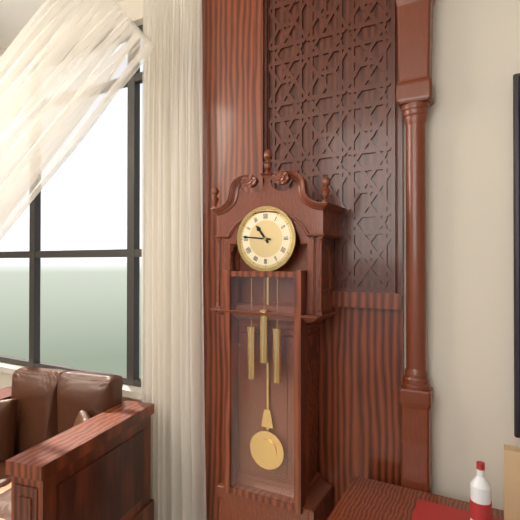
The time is h=10 m=46
